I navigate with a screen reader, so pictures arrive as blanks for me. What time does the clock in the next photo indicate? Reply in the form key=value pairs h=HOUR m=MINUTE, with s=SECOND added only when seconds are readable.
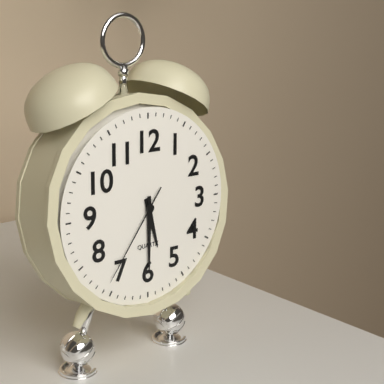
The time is h=5 m=30 s=36
